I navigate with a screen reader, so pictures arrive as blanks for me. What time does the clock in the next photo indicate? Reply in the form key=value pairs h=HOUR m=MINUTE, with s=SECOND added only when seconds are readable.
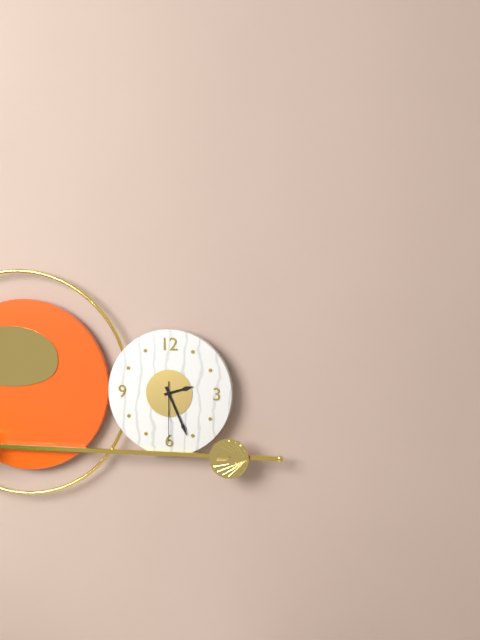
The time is h=2 m=26 s=30
